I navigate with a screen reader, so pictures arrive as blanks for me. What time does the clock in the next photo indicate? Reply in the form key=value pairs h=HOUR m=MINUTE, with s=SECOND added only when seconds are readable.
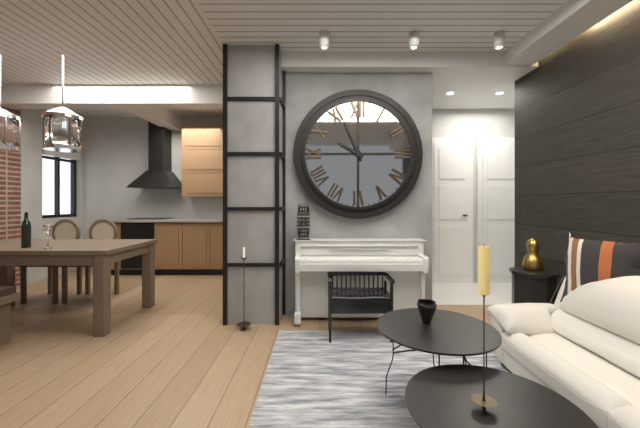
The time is h=9 m=56
